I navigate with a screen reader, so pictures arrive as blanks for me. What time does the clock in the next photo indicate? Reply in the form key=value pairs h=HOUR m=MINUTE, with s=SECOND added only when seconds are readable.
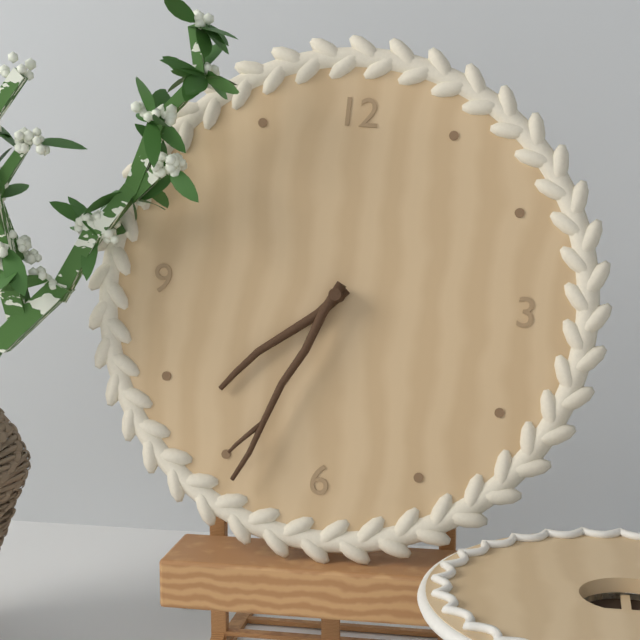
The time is h=7 m=34
